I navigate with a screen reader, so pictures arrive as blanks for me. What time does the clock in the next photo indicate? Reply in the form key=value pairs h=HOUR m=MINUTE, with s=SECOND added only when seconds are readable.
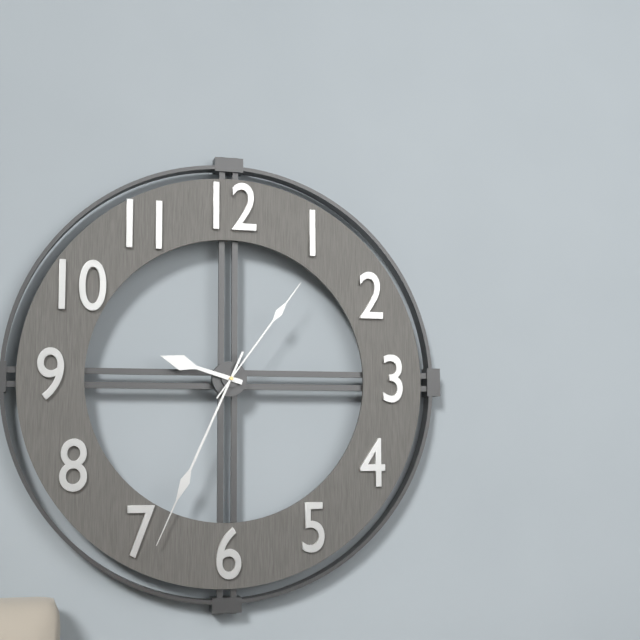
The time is h=9 m=34 s=6
